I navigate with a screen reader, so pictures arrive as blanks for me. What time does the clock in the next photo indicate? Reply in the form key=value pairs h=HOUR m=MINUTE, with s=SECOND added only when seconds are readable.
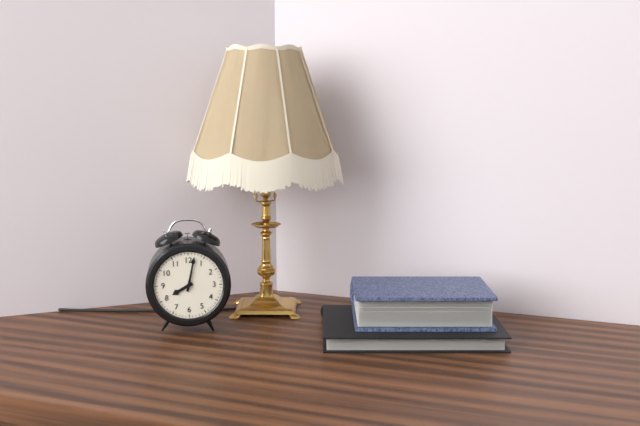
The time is h=8 m=2
